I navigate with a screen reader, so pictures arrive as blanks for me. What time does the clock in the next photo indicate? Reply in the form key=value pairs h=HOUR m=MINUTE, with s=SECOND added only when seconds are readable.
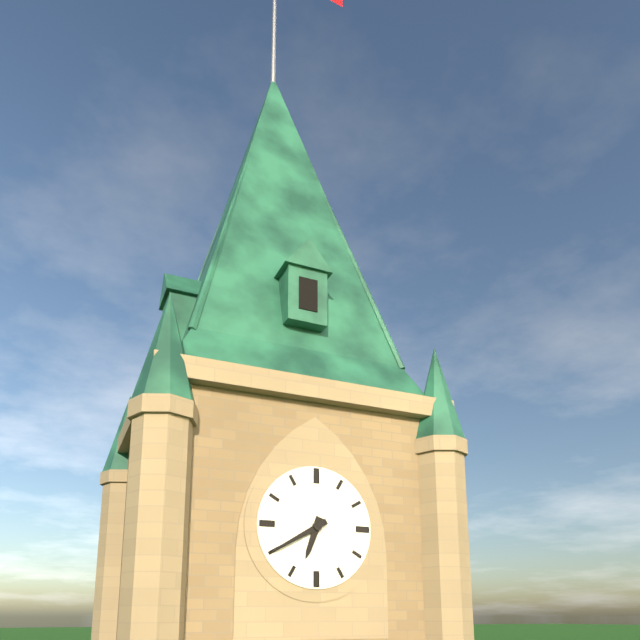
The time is h=6 m=40
